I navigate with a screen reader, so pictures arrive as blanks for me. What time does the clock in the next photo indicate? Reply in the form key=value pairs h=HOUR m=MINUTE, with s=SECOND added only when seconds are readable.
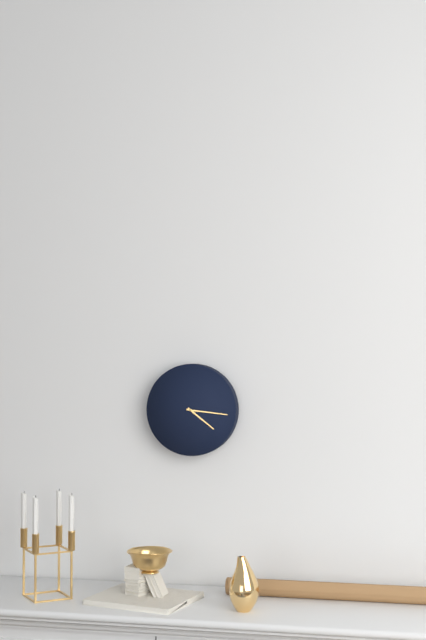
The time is h=4 m=16
